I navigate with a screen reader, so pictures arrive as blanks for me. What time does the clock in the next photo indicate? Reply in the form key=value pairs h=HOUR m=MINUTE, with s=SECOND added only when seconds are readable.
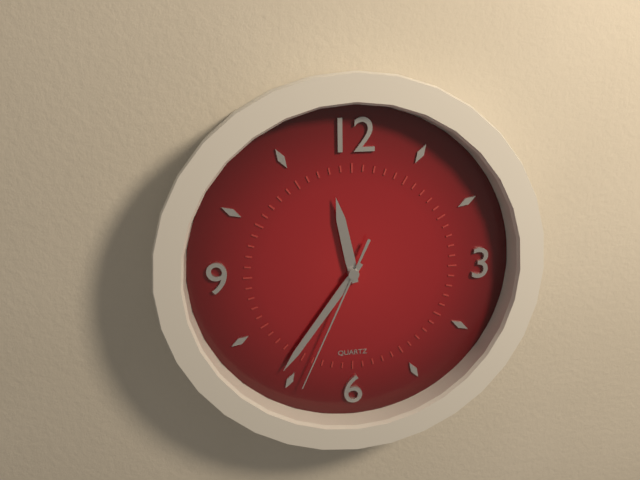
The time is h=11 m=36 s=34
